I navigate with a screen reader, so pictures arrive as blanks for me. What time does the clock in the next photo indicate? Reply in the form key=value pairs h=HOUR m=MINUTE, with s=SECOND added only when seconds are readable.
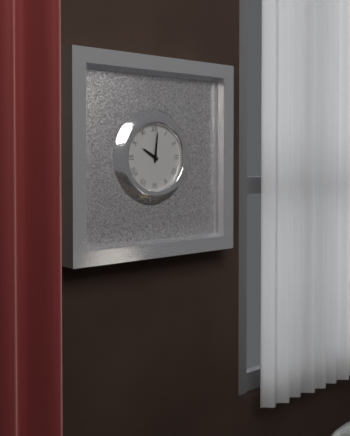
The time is h=10 m=1
